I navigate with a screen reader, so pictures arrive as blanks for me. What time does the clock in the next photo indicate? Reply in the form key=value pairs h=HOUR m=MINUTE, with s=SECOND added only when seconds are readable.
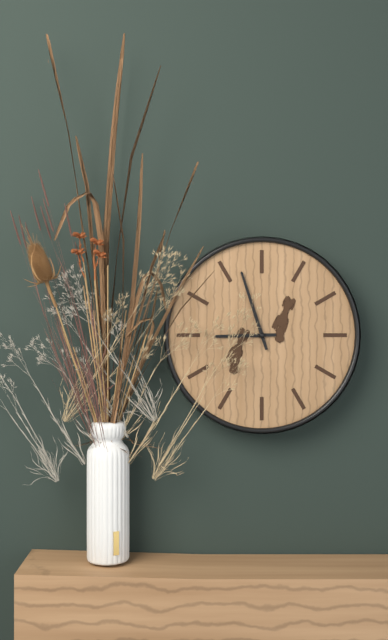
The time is h=8 m=57
